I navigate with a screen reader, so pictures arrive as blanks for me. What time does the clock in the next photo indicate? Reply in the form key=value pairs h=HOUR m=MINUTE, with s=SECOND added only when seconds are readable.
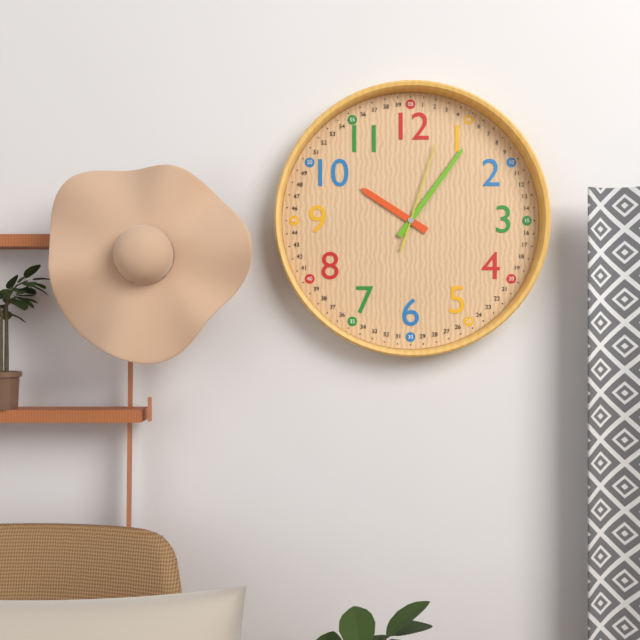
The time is h=10 m=6 s=3
